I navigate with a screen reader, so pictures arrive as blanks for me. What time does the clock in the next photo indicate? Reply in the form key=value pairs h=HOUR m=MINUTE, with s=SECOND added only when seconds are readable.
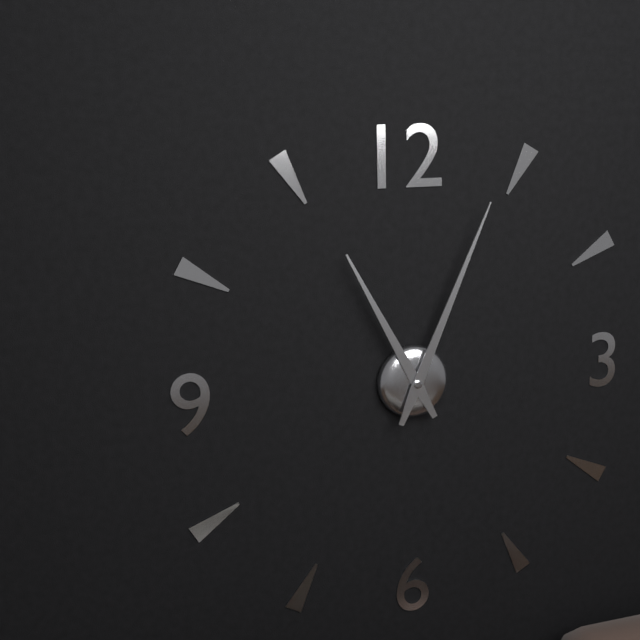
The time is h=11 m=4
